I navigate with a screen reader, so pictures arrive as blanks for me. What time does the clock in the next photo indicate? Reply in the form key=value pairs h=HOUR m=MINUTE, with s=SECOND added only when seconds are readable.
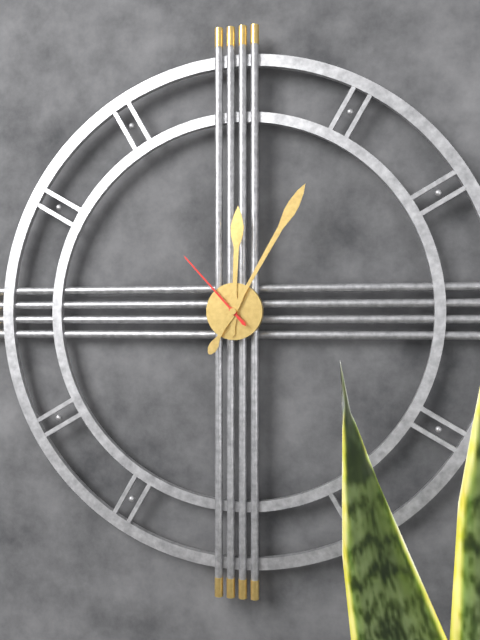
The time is h=12 m=5 s=53
